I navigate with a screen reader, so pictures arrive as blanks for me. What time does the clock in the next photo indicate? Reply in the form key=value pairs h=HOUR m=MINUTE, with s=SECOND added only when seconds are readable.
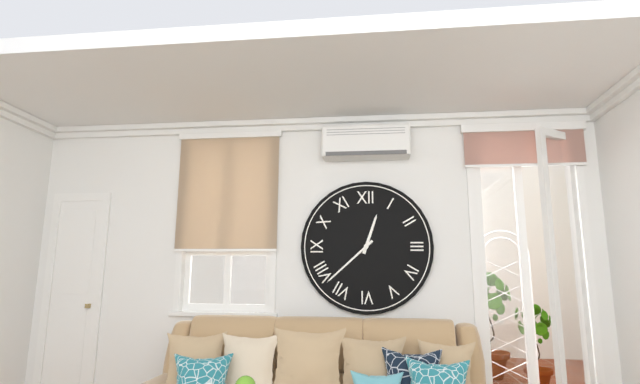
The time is h=12 m=38
